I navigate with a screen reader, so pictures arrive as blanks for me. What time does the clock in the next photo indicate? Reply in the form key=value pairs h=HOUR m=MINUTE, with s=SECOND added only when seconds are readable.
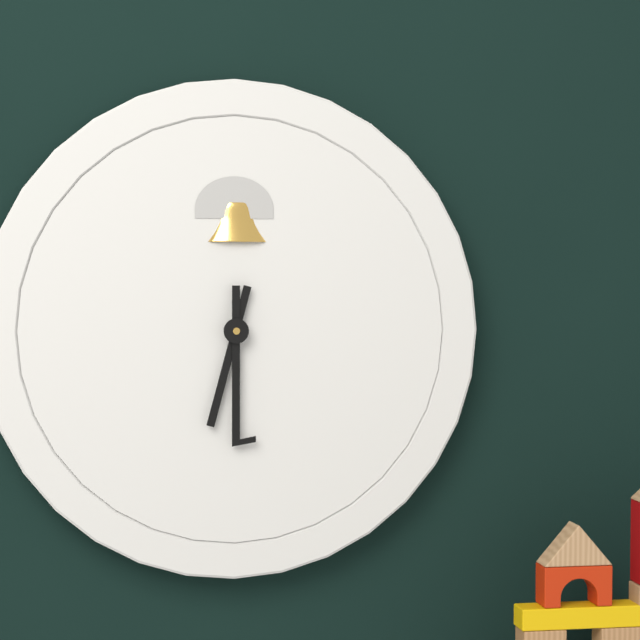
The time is h=6 m=30
